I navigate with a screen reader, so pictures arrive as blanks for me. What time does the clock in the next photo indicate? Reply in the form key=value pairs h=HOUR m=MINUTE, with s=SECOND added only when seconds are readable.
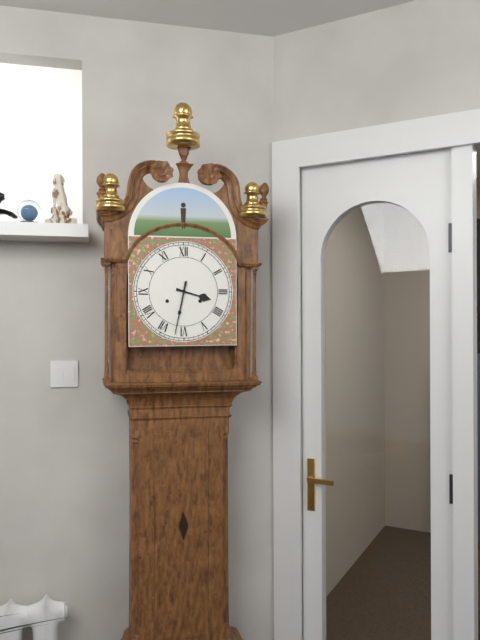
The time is h=3 m=32
